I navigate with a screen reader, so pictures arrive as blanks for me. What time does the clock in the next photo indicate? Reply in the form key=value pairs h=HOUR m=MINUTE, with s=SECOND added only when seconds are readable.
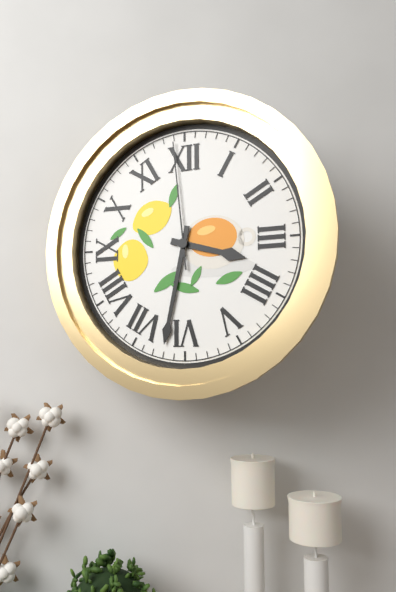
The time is h=3 m=32 s=59
